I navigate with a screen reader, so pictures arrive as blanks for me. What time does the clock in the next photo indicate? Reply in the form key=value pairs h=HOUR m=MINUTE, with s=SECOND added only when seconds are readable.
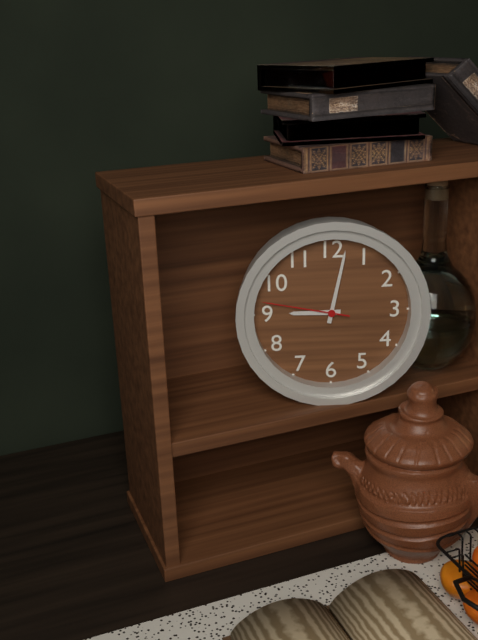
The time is h=9 m=2 s=47
